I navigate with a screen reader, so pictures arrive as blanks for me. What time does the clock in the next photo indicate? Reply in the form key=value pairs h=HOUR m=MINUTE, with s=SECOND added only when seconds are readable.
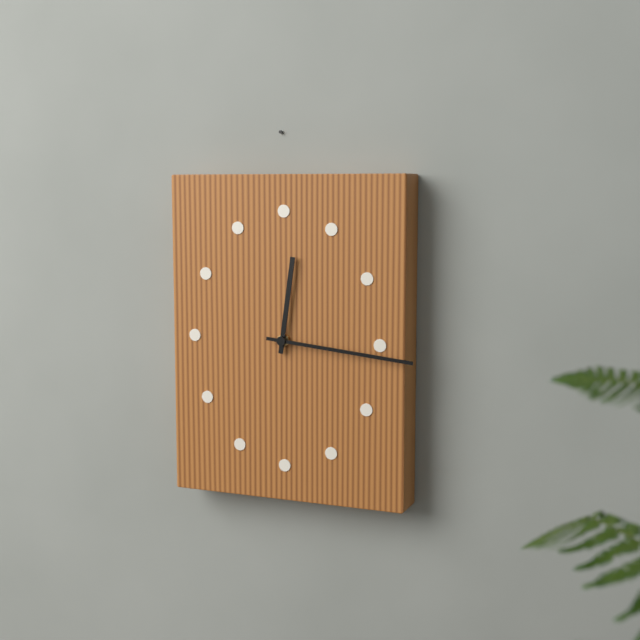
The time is h=12 m=16
